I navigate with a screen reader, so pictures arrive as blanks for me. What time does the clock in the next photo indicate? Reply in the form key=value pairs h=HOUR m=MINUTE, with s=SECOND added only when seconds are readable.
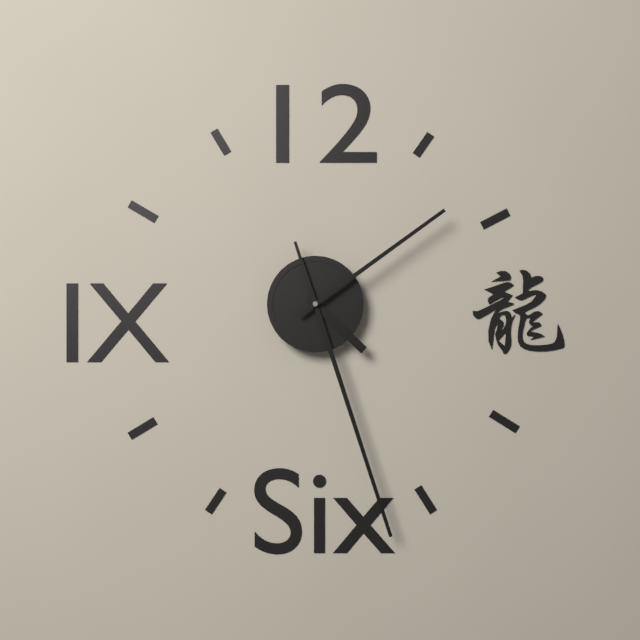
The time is h=4 m=27 s=9
